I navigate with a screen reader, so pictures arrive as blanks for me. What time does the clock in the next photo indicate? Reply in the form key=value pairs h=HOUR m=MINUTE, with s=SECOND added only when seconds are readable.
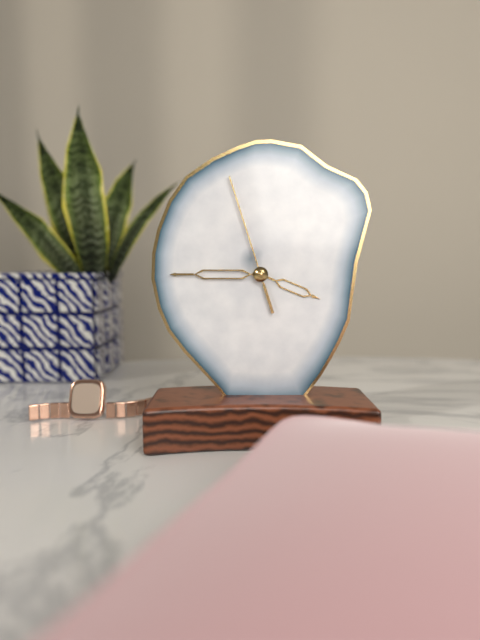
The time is h=3 m=45 s=57
